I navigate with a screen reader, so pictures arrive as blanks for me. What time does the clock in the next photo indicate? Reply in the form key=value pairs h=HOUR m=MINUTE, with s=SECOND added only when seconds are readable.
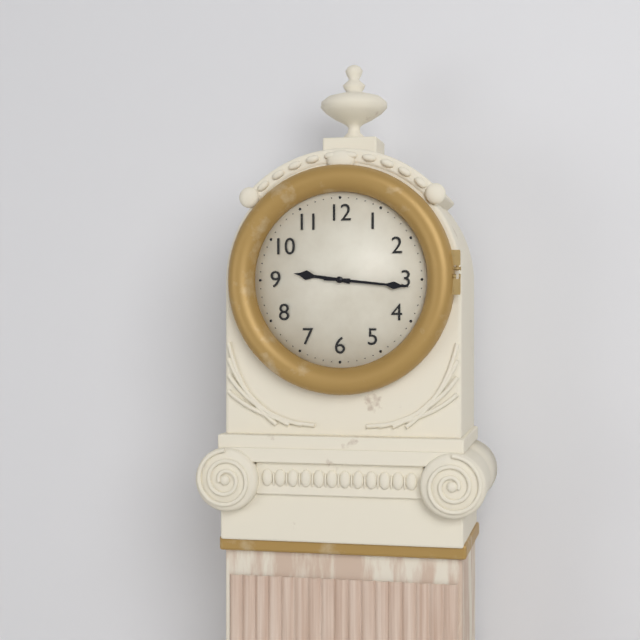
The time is h=9 m=16
